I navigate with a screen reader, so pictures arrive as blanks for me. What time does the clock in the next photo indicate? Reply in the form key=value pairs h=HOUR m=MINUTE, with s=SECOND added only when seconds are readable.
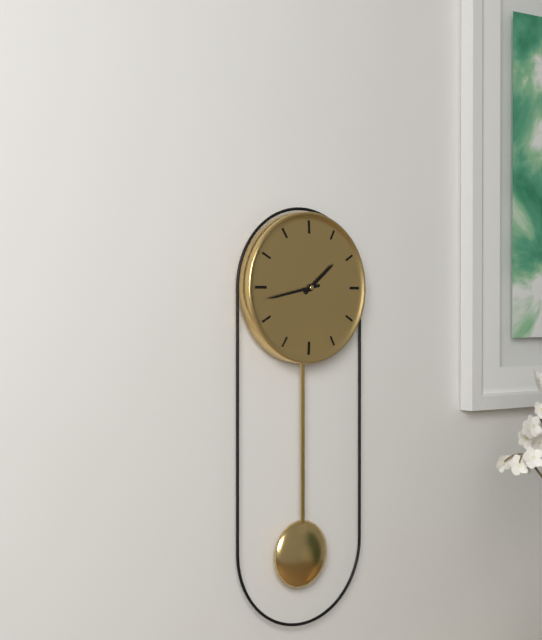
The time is h=1 m=43
